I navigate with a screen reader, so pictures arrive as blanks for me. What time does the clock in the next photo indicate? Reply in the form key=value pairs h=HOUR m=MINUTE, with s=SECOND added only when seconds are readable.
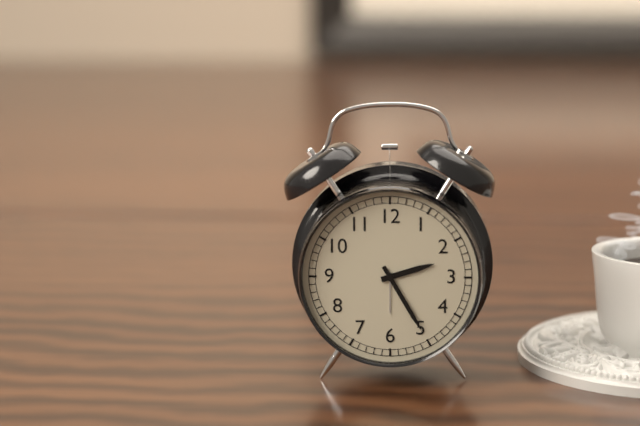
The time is h=2 m=25
